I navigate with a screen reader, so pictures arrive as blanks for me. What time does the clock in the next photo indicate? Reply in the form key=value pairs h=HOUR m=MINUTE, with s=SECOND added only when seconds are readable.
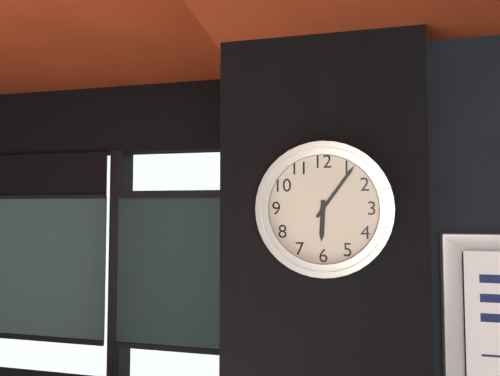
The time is h=6 m=6
